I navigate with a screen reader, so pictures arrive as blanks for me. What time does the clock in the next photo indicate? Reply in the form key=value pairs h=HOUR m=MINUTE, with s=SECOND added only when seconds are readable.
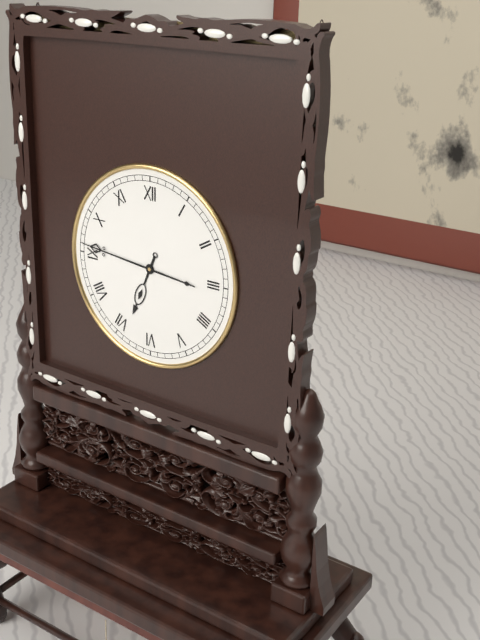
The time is h=6 m=46
